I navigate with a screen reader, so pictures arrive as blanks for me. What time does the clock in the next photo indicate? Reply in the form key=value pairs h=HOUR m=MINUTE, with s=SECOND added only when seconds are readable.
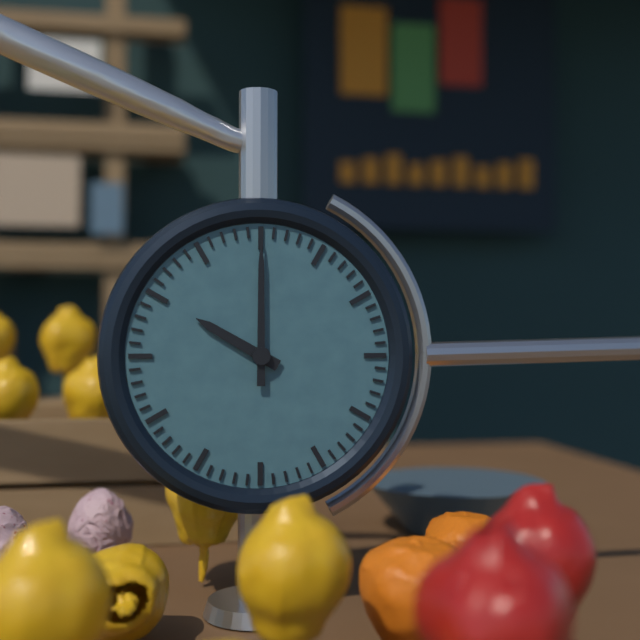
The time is h=10 m=0
